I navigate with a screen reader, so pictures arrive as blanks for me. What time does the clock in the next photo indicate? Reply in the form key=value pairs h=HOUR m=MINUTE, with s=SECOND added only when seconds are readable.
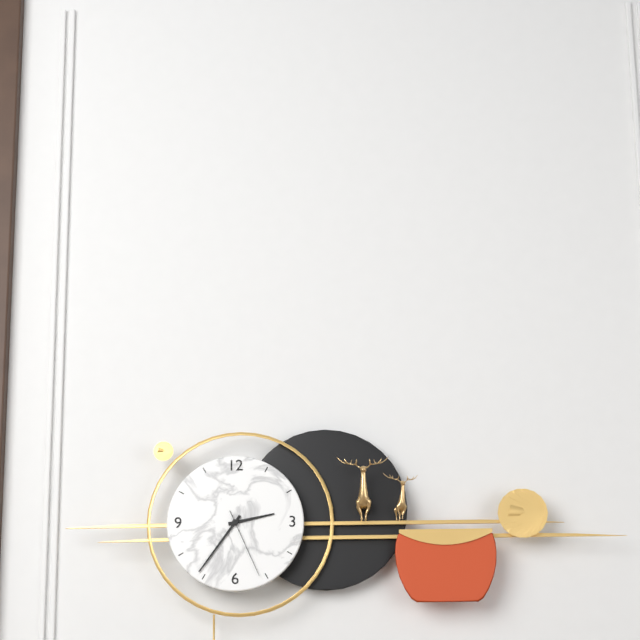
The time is h=2 m=36 s=26
